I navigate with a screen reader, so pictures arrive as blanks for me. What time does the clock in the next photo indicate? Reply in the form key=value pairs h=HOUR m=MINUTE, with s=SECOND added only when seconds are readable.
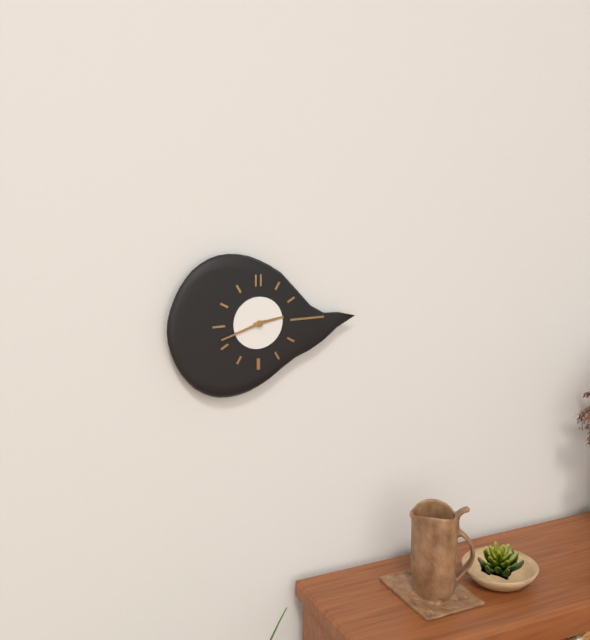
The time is h=2 m=42
